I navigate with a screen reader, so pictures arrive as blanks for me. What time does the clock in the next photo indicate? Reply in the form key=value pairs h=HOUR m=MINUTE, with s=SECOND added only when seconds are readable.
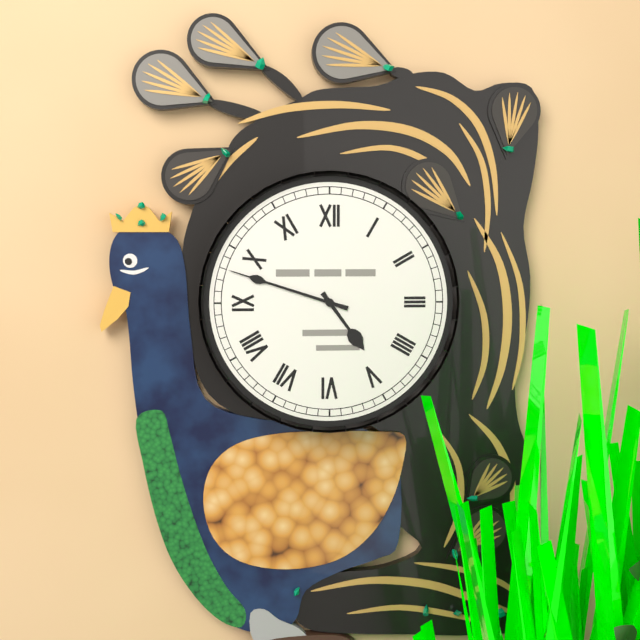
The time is h=4 m=48
